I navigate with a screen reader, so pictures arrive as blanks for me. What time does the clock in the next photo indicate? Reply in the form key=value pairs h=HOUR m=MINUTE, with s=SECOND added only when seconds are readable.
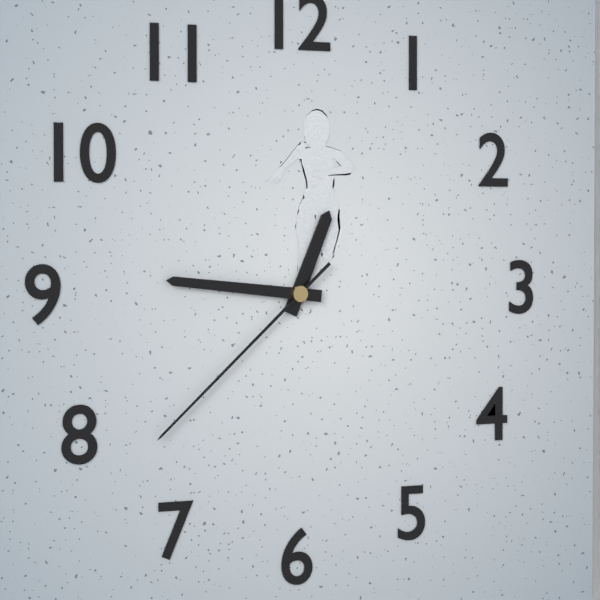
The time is h=12 m=46 s=38
